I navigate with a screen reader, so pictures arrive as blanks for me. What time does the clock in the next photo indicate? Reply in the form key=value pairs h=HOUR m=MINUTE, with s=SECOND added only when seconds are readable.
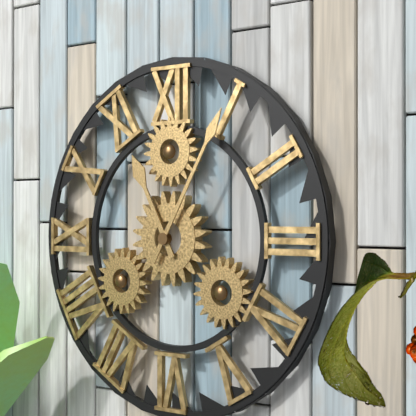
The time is h=11 m=5
